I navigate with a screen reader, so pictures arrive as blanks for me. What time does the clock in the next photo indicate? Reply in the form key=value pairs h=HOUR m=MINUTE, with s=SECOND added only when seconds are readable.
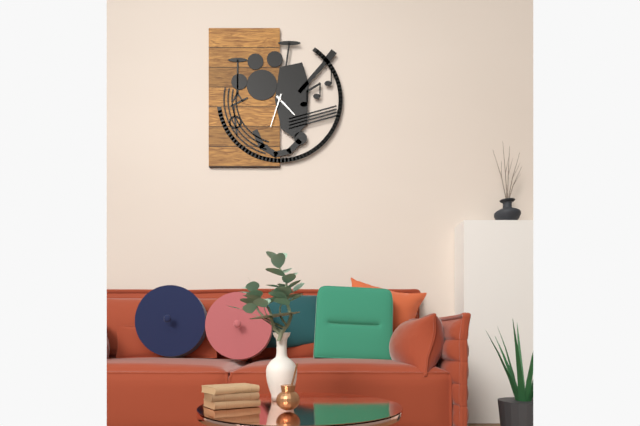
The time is h=4 m=33
